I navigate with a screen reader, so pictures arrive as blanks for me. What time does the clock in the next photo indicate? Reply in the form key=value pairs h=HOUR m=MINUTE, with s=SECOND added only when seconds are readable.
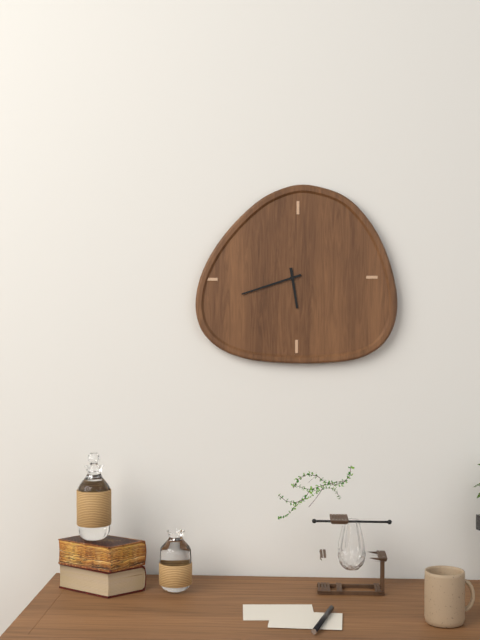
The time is h=5 m=42
